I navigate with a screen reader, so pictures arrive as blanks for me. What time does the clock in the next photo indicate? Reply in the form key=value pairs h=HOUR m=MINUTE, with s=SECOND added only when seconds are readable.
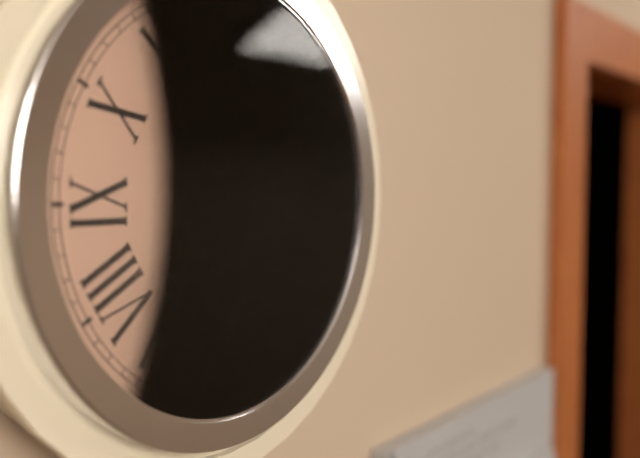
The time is h=6 m=4
